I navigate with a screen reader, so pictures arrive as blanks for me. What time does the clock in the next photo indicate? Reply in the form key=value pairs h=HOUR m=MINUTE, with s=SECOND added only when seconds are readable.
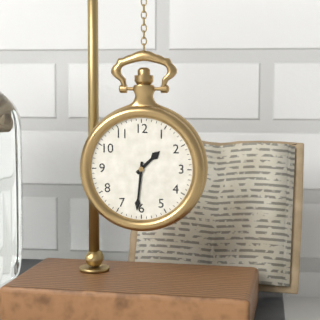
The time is h=1 m=31
